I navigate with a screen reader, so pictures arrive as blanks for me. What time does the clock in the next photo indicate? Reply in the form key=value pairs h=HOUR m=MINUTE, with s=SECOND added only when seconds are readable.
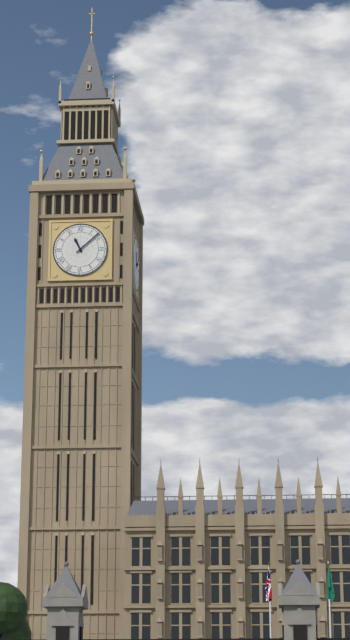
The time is h=11 m=8
